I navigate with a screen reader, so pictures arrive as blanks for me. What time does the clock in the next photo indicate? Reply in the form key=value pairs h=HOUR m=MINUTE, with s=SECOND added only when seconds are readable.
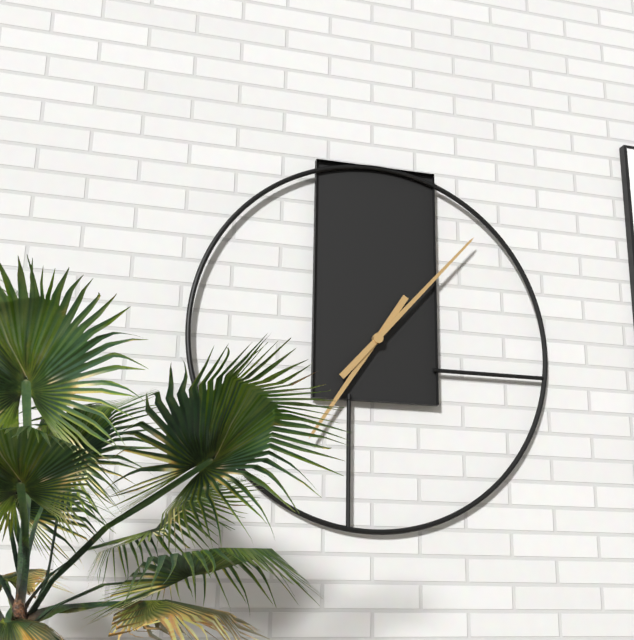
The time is h=7 m=7
